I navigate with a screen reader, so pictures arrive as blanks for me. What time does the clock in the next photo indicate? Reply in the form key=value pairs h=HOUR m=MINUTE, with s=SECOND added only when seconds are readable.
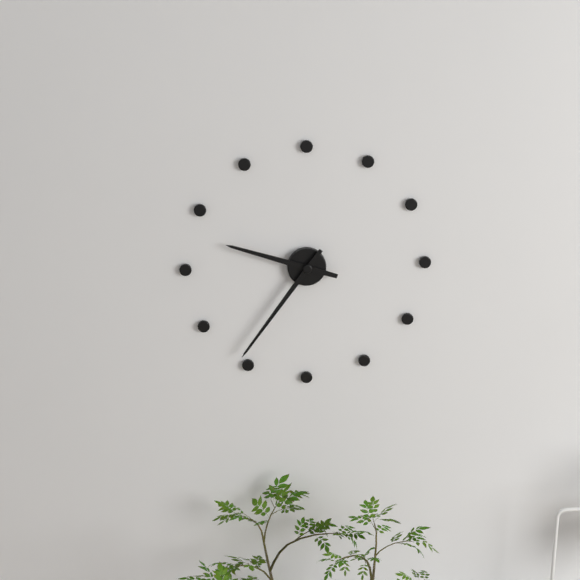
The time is h=9 m=36
